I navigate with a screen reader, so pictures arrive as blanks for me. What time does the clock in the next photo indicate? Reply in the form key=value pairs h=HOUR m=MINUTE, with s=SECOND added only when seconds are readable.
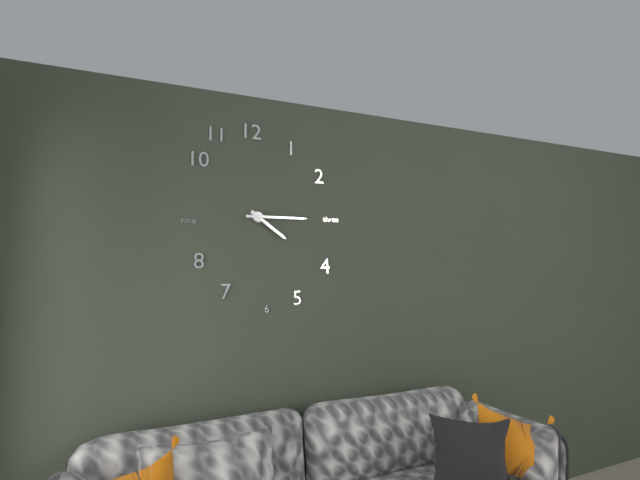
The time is h=4 m=15
